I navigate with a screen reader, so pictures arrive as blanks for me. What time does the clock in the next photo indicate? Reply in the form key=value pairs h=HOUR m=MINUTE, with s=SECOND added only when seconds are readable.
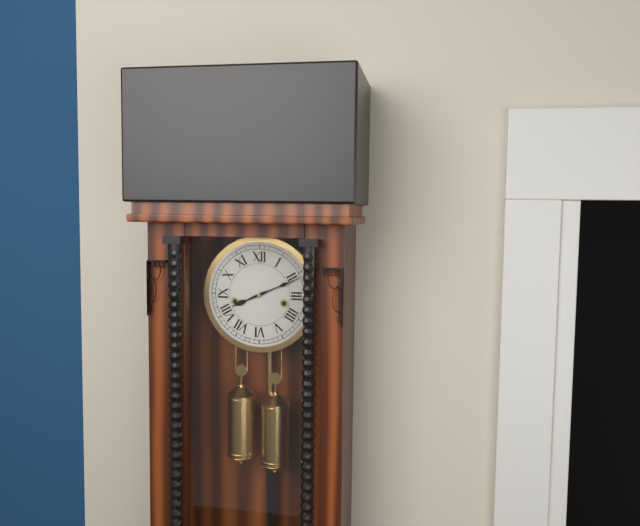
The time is h=8 m=11
